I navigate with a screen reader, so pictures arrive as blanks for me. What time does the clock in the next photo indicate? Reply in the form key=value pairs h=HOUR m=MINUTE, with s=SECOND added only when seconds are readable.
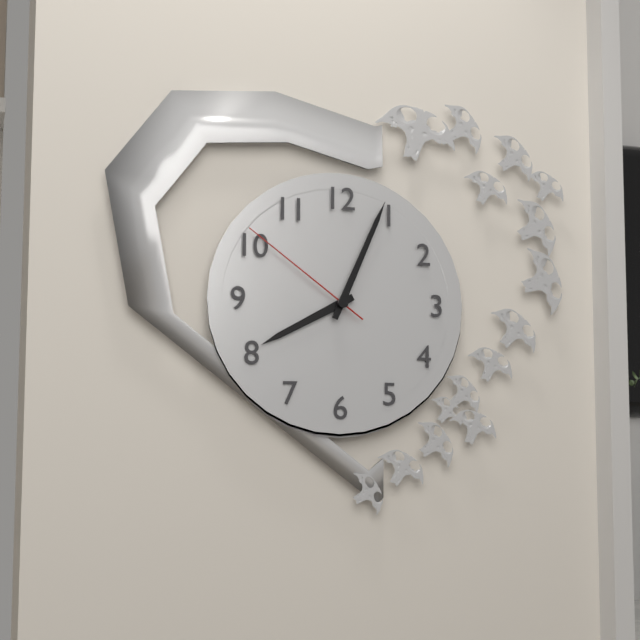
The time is h=8 m=4 s=51
